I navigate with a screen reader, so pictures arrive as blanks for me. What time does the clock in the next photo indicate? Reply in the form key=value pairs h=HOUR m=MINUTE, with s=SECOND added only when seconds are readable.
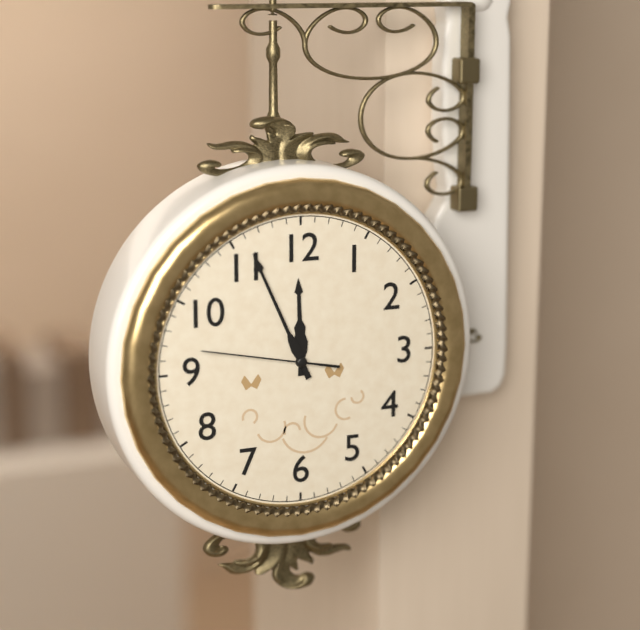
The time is h=11 m=56 s=47
